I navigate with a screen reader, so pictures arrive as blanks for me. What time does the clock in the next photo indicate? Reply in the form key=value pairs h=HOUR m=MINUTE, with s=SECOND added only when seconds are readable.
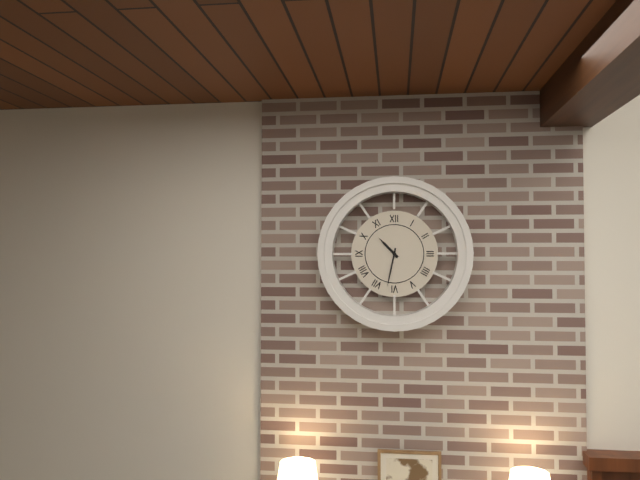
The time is h=10 m=32
